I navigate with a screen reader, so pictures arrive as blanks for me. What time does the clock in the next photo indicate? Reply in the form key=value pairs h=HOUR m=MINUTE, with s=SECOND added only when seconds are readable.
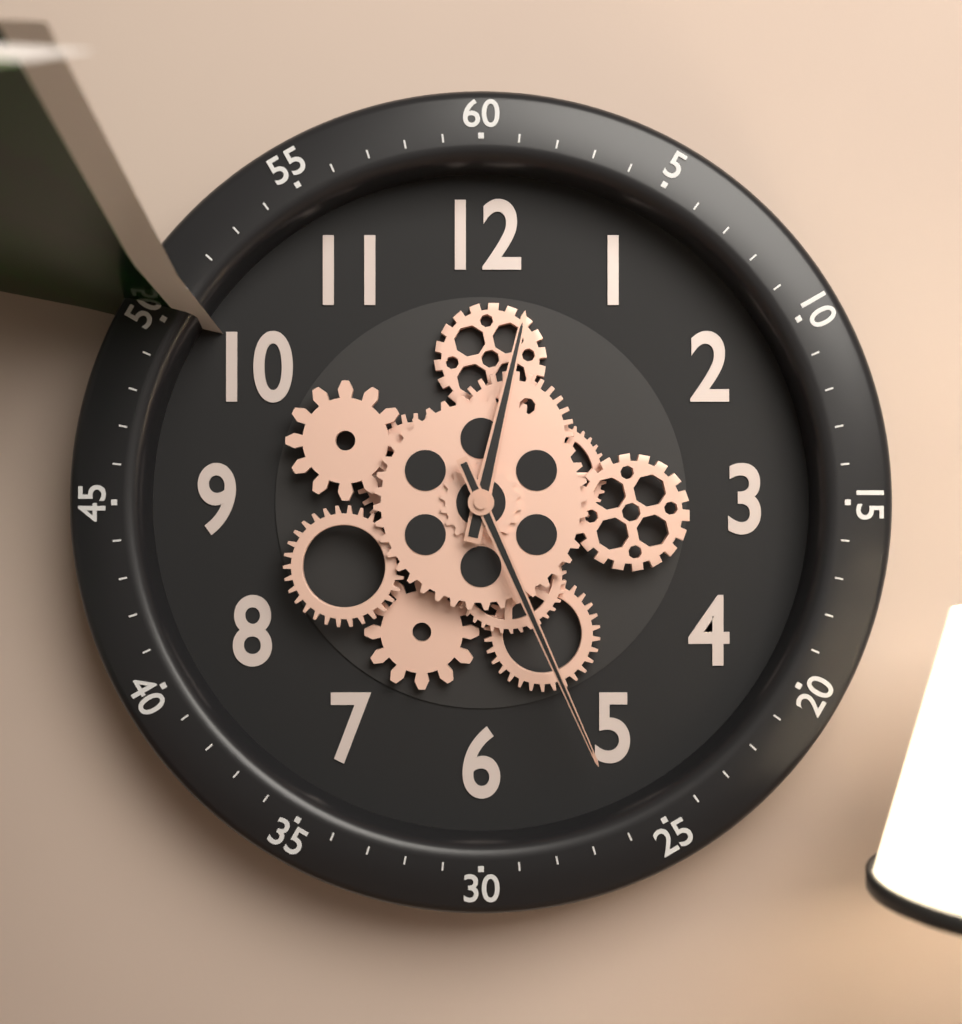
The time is h=12 m=26
